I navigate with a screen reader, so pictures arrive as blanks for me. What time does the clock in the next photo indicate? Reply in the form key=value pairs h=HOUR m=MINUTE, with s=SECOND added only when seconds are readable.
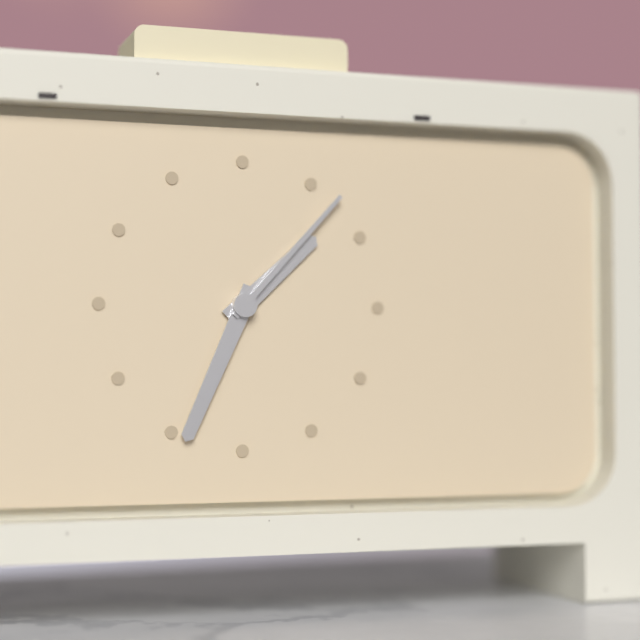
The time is h=1 m=34 s=7
